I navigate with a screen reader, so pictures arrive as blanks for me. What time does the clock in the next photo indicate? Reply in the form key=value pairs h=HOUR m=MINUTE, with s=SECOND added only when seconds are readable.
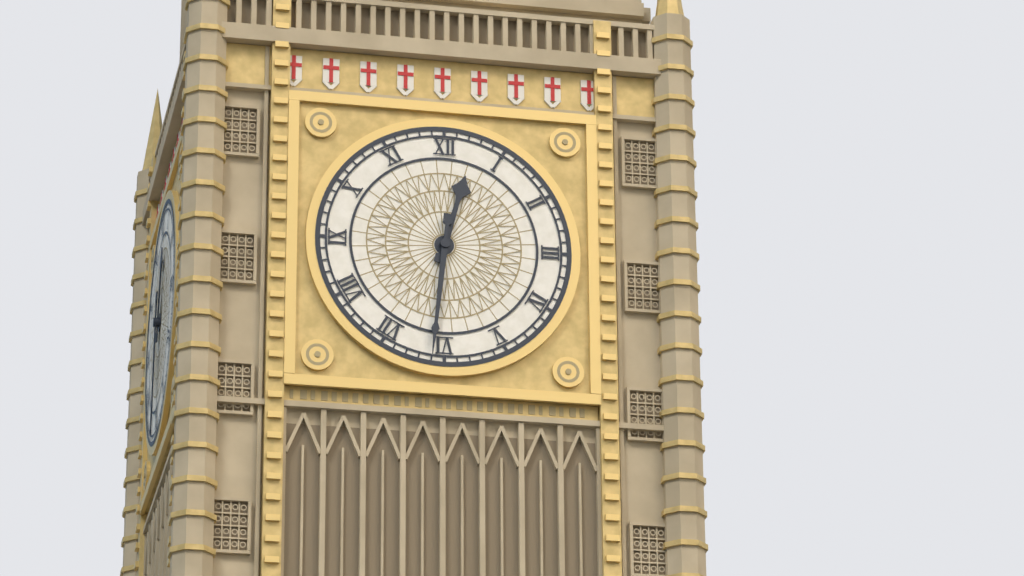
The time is h=12 m=31
